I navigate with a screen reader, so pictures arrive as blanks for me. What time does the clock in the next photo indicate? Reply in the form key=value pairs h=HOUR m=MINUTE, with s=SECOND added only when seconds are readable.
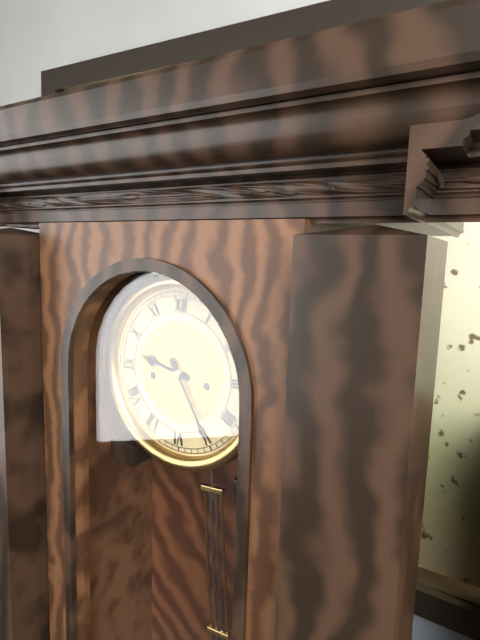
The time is h=9 m=25
